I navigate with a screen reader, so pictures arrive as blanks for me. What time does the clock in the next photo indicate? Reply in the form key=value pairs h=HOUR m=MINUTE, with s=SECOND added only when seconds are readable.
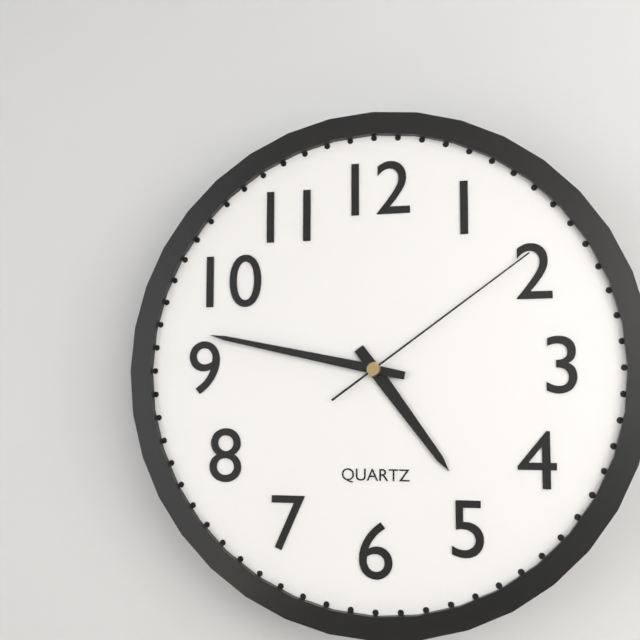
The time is h=4 m=47 s=9
